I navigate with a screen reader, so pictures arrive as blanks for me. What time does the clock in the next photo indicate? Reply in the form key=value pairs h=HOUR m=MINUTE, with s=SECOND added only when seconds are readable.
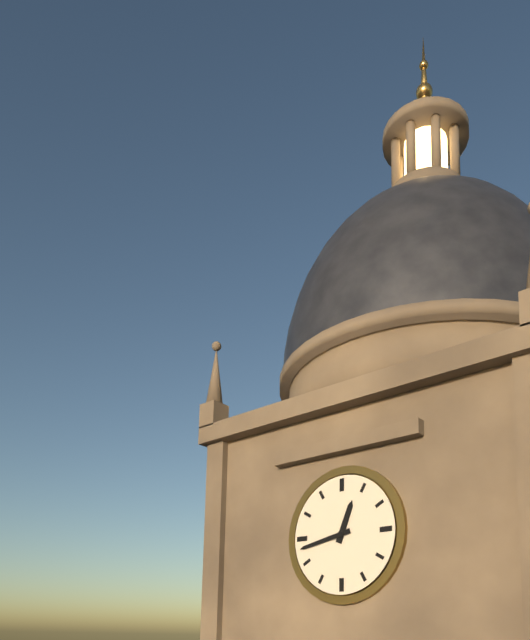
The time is h=12 m=43
